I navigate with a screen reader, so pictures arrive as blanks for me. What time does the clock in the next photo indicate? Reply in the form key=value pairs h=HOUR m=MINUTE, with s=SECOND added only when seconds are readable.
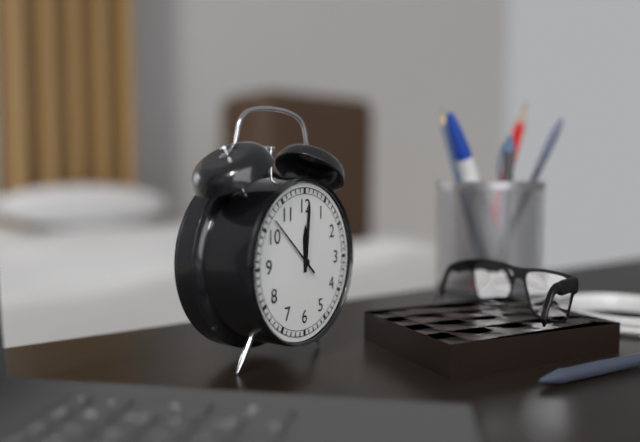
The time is h=12 m=1 s=52
